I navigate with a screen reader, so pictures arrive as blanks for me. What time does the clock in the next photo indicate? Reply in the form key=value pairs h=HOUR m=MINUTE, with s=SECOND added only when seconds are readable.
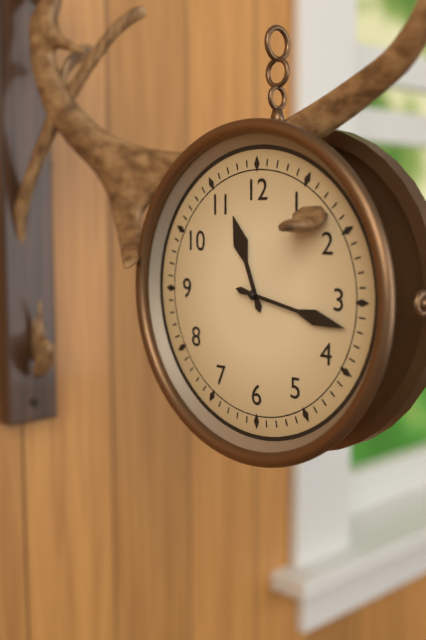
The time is h=11 m=17
